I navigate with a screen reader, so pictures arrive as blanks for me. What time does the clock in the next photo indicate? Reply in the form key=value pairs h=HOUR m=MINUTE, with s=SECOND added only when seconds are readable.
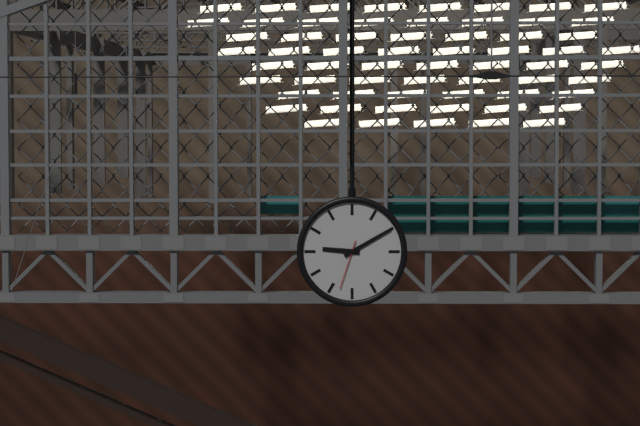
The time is h=9 m=10
